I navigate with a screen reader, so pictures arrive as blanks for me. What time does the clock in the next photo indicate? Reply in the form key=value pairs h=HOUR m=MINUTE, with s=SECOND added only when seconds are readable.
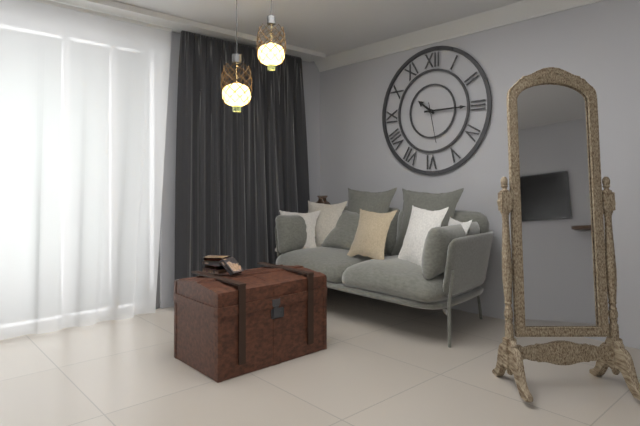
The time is h=10 m=15
